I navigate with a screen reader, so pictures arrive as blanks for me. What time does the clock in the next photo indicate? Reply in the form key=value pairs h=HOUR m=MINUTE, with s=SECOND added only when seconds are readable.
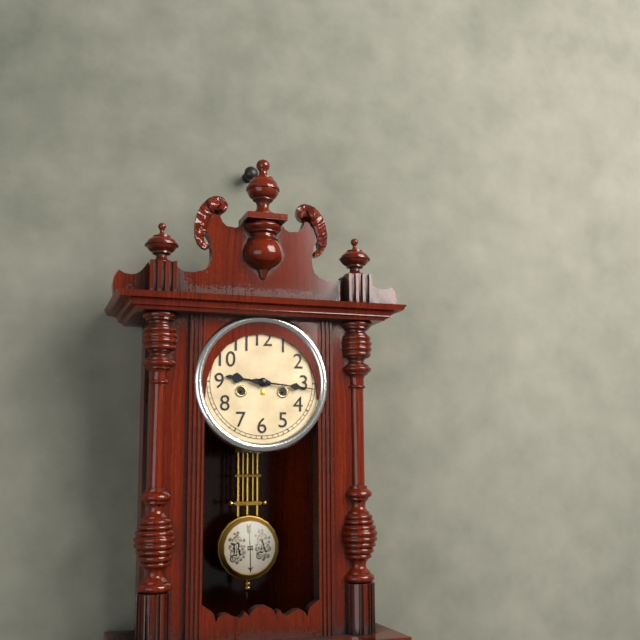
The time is h=9 m=16
